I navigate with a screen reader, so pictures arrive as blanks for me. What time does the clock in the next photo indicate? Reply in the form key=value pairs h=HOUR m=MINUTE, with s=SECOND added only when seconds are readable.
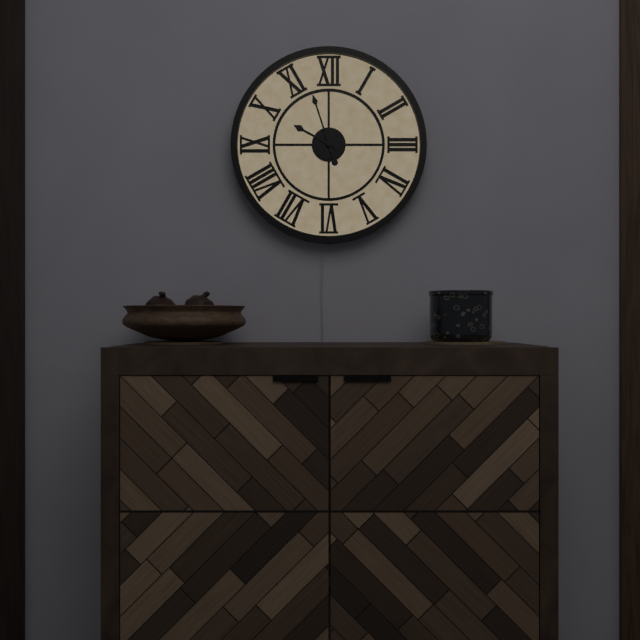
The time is h=9 m=57
